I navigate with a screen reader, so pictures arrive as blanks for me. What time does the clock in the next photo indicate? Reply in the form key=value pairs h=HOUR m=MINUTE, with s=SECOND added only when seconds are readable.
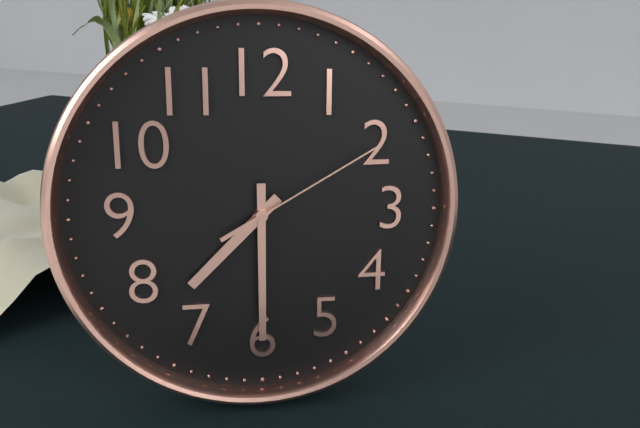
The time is h=7 m=30 s=10
